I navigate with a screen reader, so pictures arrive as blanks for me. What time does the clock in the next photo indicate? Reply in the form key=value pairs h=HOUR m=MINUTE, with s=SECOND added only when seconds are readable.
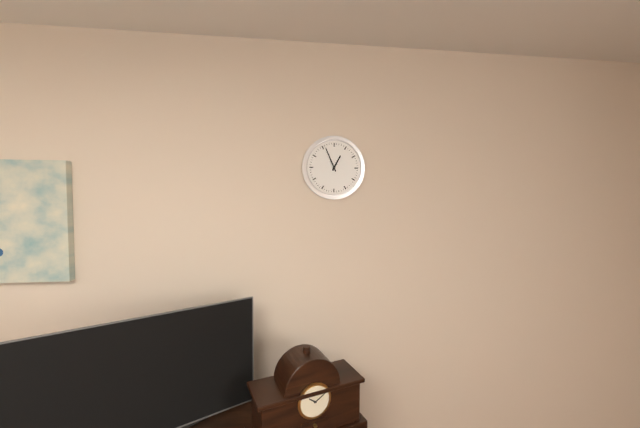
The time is h=12 m=56
